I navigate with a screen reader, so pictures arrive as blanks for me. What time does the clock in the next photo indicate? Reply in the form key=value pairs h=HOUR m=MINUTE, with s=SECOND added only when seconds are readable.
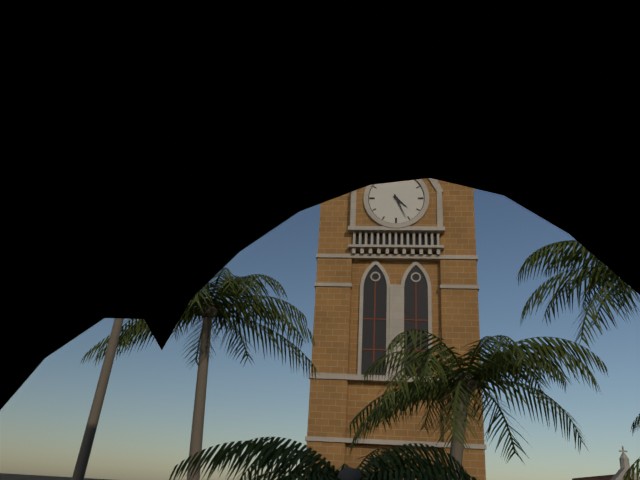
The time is h=4 m=26
